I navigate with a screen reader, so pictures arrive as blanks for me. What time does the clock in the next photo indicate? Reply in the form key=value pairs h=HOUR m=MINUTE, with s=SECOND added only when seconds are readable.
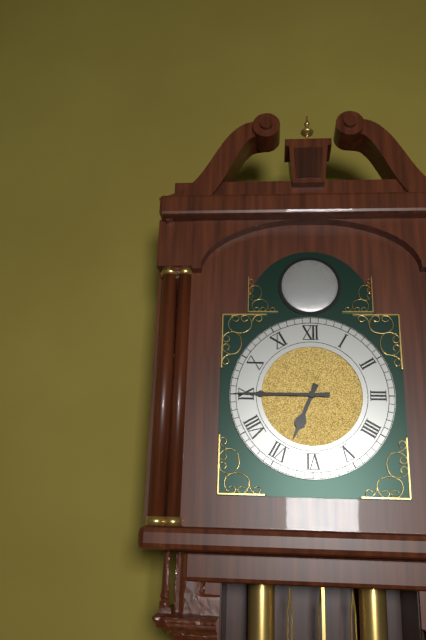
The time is h=6 m=45
